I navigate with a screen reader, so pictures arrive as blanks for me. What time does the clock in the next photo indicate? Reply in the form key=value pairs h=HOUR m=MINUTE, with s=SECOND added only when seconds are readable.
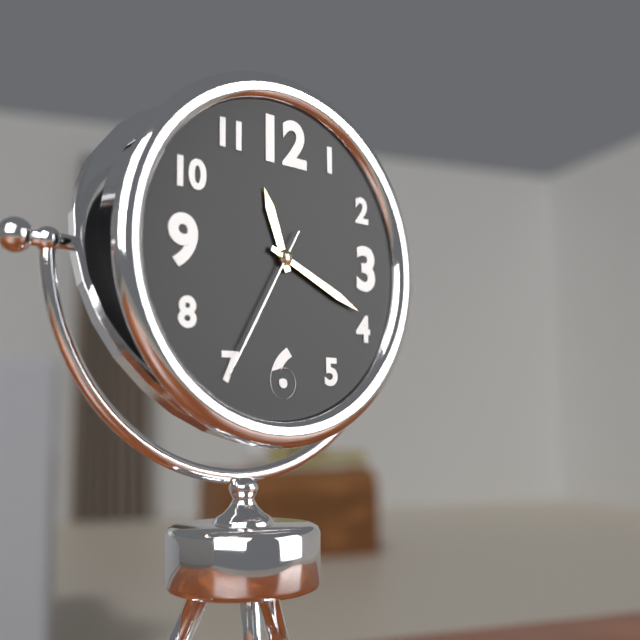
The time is h=11 m=19 s=35
